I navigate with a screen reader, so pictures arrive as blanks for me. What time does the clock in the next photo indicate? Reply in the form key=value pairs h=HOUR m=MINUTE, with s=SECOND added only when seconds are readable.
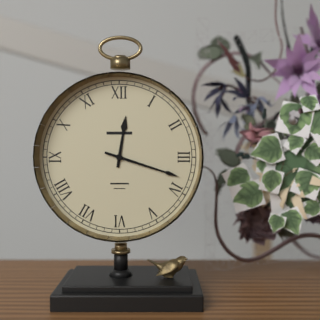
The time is h=12 m=18
